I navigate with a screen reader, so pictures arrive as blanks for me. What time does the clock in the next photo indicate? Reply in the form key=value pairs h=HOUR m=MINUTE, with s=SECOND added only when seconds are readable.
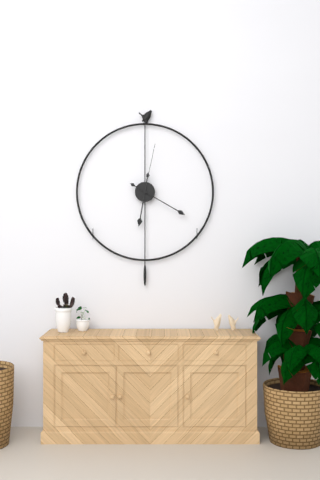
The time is h=6 m=20 s=2
